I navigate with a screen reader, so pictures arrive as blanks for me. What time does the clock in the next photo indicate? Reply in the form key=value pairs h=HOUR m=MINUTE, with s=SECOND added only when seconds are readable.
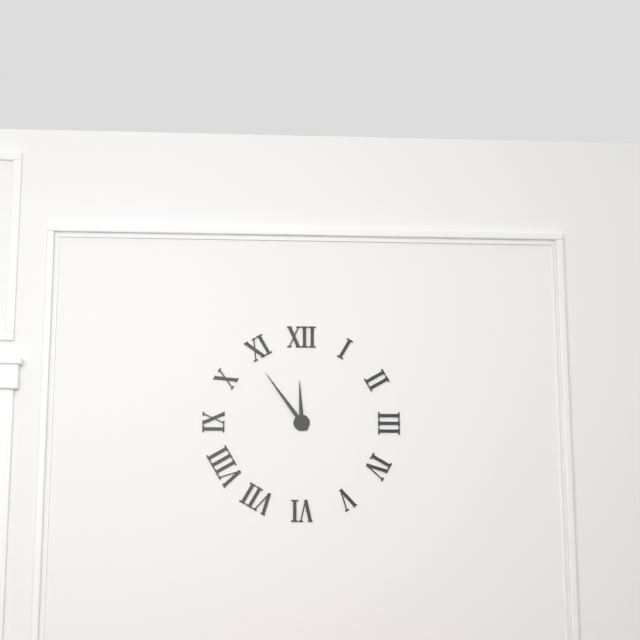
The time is h=11 m=54
